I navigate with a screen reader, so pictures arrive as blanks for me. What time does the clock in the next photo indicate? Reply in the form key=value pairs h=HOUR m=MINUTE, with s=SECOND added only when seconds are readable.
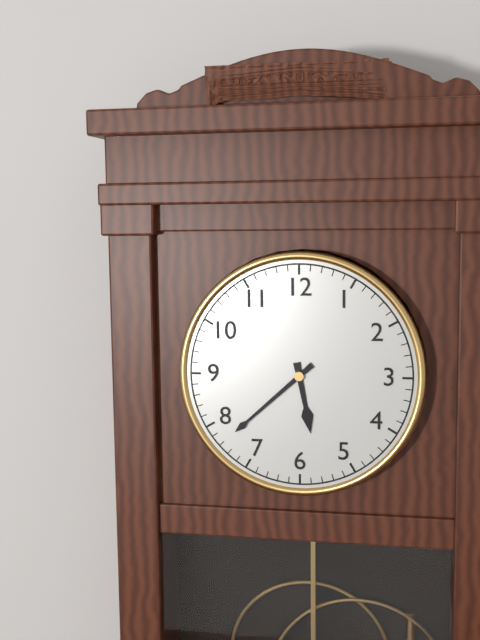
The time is h=5 m=38
